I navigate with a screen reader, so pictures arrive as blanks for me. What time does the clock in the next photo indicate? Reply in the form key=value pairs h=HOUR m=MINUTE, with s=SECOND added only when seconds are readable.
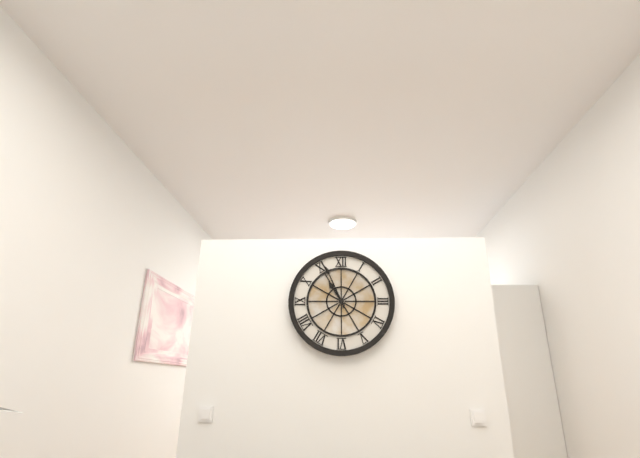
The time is h=10 m=56
